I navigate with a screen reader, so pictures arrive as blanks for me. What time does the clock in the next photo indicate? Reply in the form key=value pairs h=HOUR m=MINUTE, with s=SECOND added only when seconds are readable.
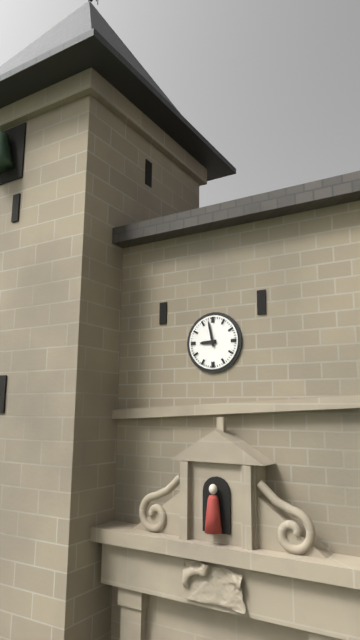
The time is h=8 m=58
